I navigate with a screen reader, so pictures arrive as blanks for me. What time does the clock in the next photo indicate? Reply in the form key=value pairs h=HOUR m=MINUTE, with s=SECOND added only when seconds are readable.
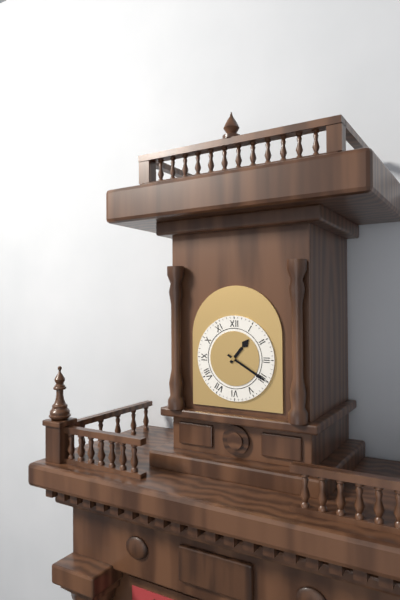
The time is h=1 m=20
